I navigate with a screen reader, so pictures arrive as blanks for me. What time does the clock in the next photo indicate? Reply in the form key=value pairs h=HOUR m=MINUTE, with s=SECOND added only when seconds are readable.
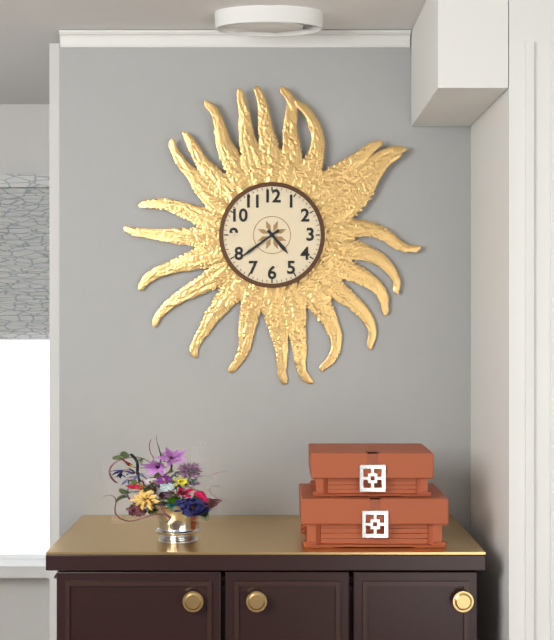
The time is h=4 m=39
